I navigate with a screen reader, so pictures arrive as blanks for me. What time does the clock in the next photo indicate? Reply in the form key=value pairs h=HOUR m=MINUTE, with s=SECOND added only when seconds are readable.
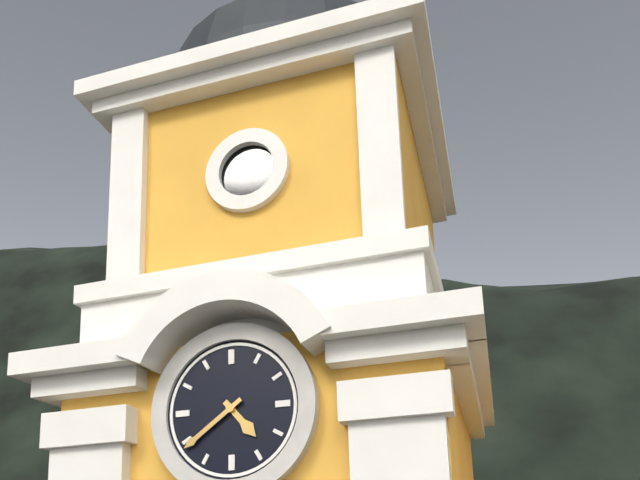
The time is h=4 m=39
